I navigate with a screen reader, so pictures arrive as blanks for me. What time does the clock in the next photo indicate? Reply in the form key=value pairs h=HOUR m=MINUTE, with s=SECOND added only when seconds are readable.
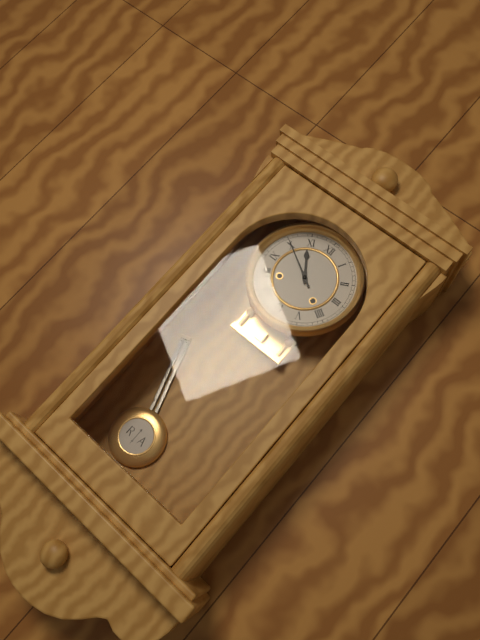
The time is h=10 m=50
